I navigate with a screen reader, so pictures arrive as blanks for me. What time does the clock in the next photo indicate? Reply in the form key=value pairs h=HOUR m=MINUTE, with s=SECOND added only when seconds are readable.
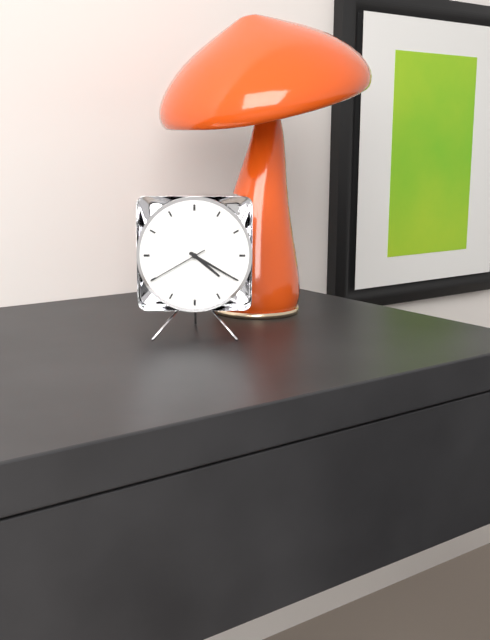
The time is h=4 m=20 s=40
